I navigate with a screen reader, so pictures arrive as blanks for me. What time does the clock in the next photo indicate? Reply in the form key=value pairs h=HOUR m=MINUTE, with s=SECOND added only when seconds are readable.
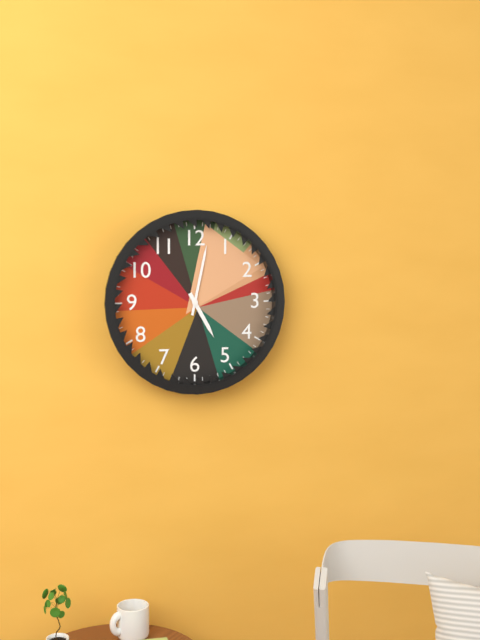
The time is h=5 m=2
